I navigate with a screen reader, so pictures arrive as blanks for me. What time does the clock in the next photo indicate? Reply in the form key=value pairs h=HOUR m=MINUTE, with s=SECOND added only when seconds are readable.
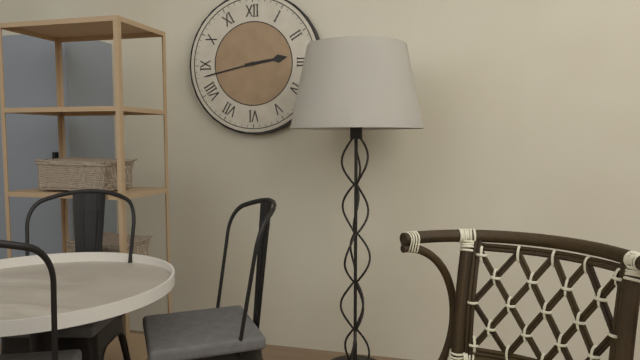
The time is h=2 m=43
